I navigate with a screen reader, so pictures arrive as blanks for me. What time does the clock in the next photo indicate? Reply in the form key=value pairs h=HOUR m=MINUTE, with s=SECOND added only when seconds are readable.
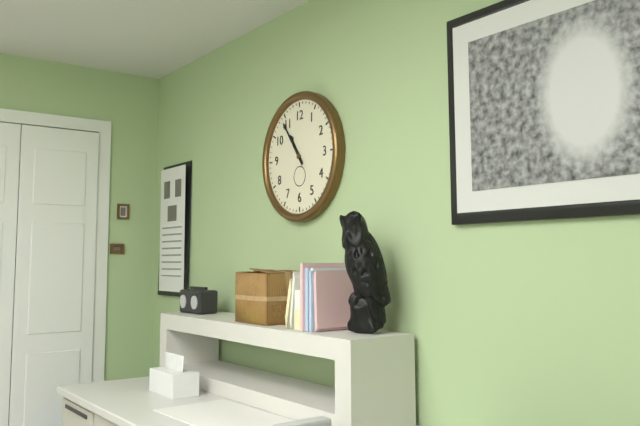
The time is h=10 m=54
